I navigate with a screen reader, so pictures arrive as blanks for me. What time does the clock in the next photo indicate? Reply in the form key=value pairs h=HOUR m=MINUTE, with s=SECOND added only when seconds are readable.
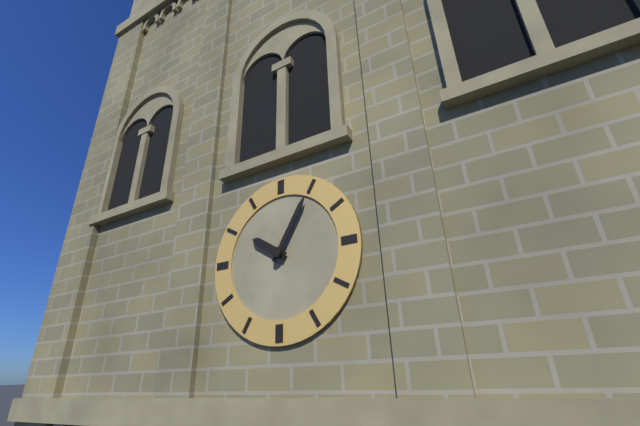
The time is h=10 m=5
